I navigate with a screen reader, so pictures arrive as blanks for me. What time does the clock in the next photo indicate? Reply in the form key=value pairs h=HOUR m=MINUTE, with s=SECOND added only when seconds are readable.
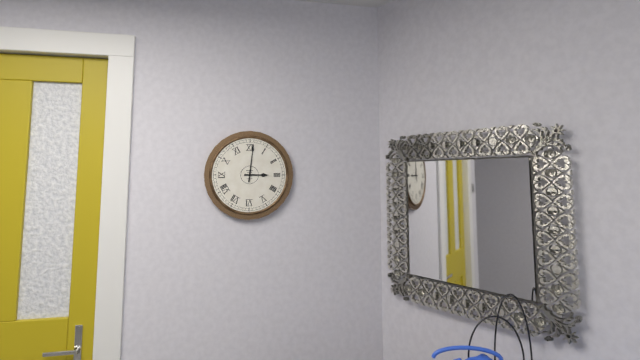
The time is h=3 m=1
